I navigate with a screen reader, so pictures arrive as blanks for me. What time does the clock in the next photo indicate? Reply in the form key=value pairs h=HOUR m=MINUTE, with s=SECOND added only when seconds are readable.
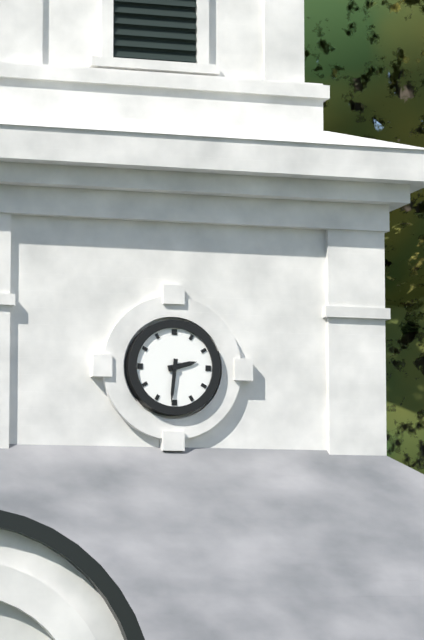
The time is h=2 m=31
